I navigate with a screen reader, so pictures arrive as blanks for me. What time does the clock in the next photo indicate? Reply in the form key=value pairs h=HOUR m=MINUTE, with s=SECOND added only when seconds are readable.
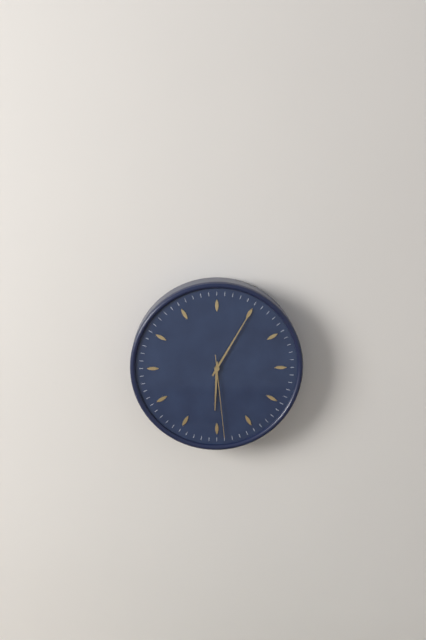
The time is h=6 m=5 s=29
